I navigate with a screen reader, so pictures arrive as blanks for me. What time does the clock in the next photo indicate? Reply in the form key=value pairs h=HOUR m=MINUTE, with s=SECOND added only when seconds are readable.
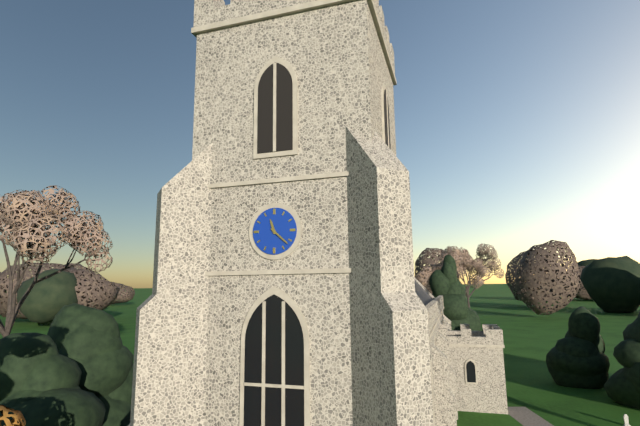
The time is h=11 m=22
